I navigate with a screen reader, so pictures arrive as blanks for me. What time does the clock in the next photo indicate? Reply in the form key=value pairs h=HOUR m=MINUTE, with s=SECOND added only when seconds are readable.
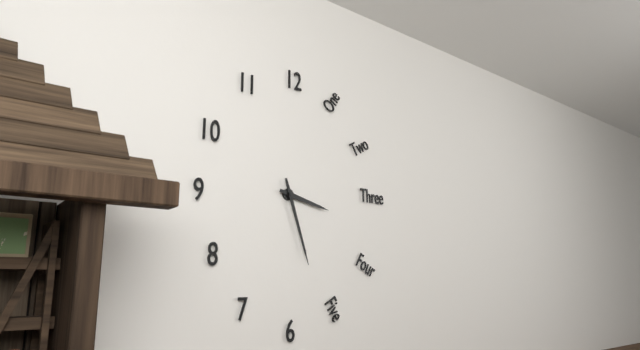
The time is h=3 m=27
